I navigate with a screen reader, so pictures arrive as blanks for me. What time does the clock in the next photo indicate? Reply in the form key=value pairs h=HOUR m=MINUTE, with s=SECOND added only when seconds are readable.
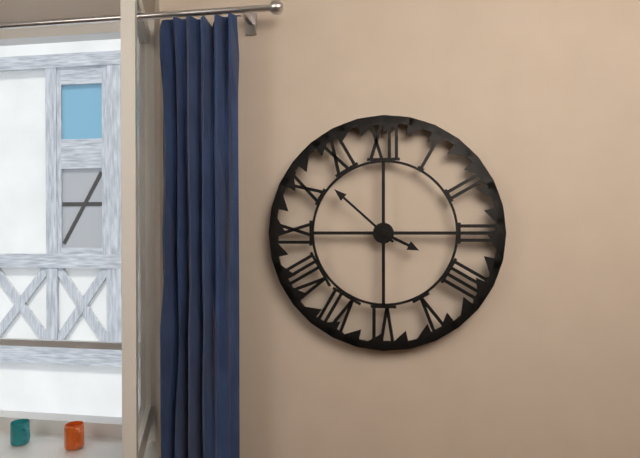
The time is h=3 m=52
